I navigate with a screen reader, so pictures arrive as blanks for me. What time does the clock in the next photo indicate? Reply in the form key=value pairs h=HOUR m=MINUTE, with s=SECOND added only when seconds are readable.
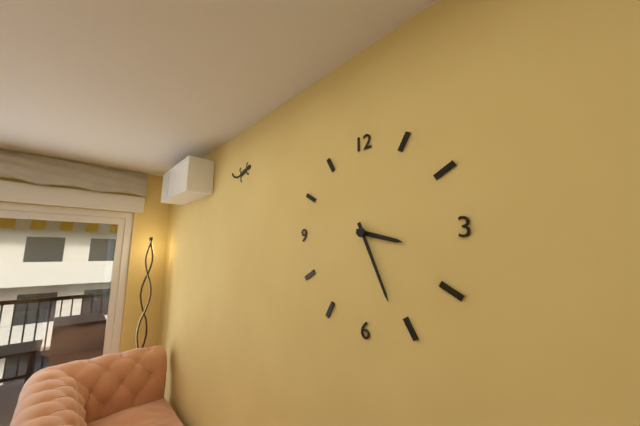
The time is h=3 m=26
